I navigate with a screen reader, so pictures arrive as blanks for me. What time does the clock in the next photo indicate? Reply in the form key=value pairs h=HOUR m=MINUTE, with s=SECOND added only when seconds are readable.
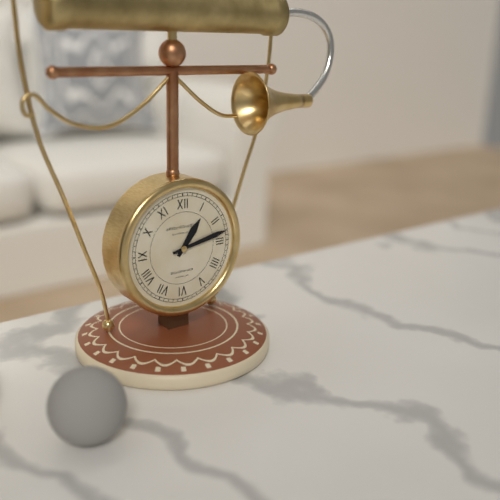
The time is h=1 m=13
